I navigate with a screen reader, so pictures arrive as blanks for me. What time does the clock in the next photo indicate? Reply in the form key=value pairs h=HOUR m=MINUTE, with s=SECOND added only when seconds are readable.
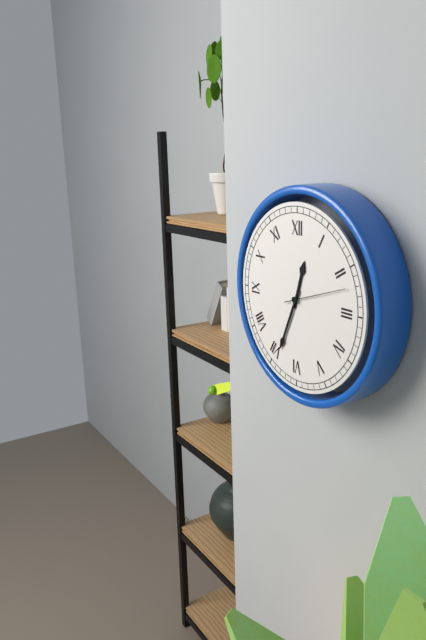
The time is h=12 m=34 s=12
